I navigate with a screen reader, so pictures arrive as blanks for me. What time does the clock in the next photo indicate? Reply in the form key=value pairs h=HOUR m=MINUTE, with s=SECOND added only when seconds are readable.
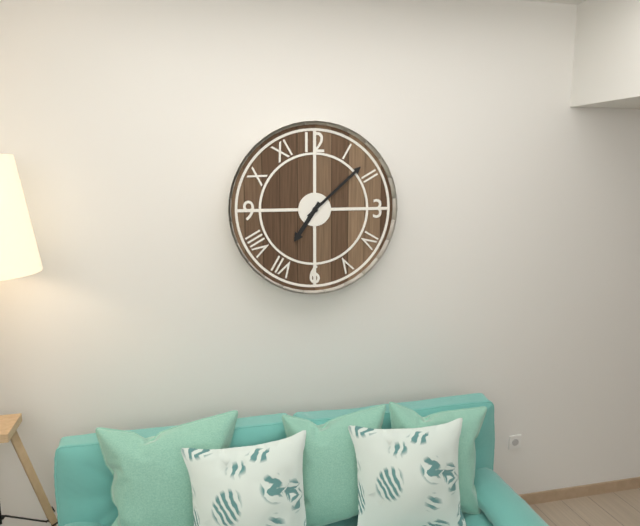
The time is h=7 m=8
